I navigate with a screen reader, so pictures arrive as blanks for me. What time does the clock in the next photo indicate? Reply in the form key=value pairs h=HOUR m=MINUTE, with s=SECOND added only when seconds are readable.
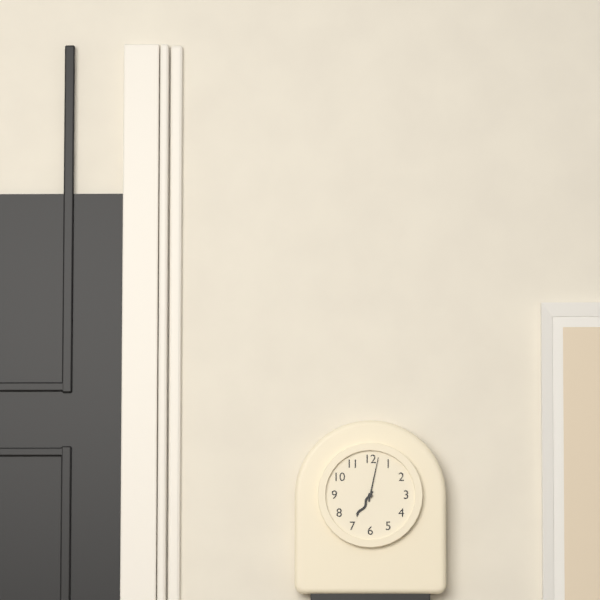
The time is h=7 m=2
